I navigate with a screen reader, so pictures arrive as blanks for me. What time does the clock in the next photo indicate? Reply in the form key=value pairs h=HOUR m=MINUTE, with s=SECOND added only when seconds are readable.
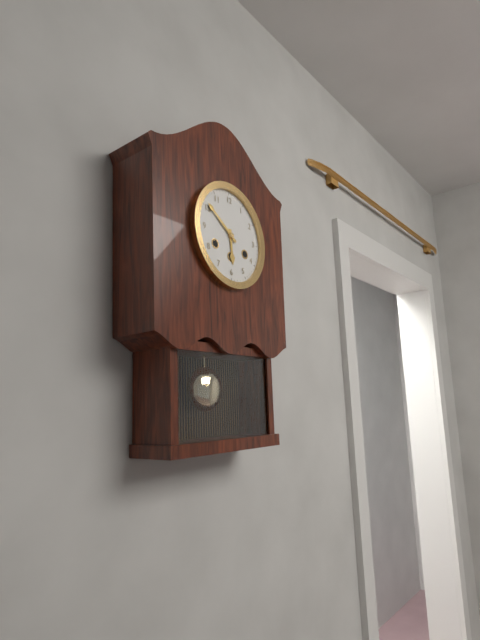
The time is h=5 m=51
